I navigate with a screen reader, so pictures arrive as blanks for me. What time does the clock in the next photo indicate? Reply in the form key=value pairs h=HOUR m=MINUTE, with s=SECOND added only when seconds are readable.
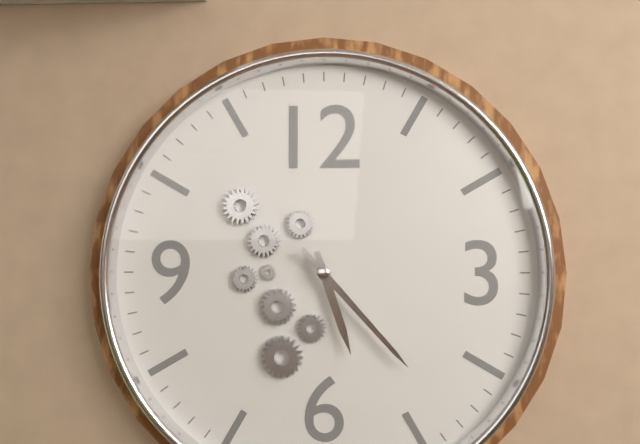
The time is h=5 m=23
